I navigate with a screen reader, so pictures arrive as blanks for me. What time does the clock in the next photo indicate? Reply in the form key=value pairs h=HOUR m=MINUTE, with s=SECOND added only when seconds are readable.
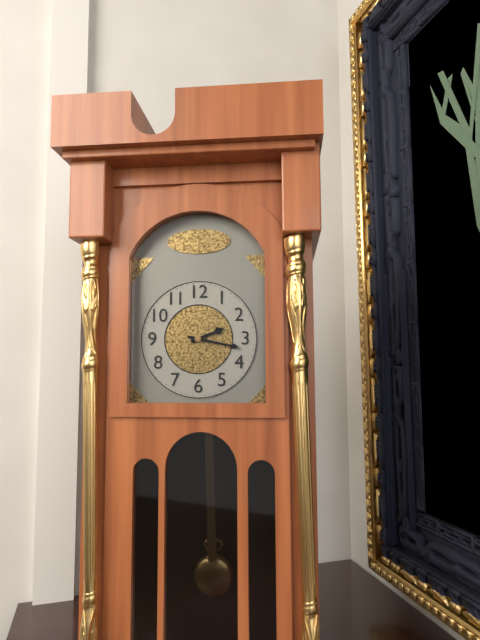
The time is h=2 m=17
